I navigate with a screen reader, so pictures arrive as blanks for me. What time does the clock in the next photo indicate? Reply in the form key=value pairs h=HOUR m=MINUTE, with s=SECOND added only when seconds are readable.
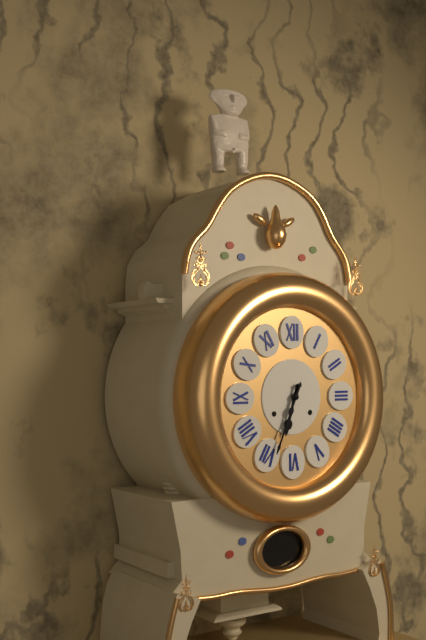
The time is h=6 m=34
